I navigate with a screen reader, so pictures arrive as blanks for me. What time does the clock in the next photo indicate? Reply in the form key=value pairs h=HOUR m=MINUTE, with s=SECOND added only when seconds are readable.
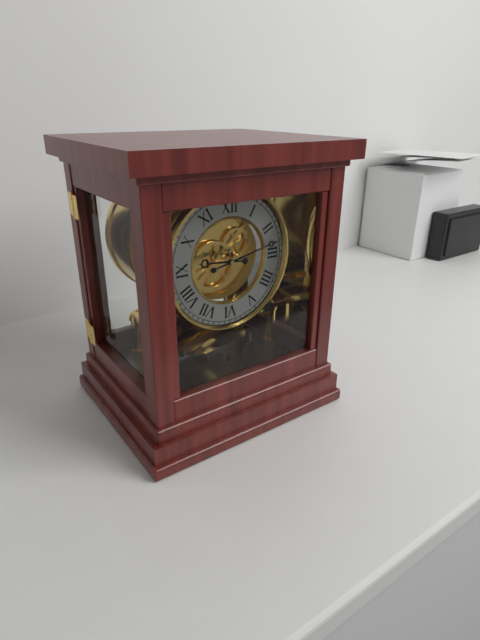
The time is h=9 m=13
